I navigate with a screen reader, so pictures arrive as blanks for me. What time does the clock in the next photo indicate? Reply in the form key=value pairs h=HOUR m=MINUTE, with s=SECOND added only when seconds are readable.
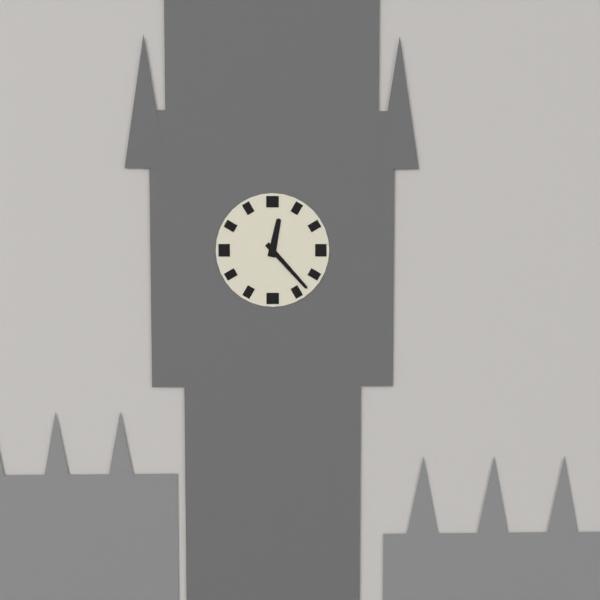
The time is h=12 m=23
